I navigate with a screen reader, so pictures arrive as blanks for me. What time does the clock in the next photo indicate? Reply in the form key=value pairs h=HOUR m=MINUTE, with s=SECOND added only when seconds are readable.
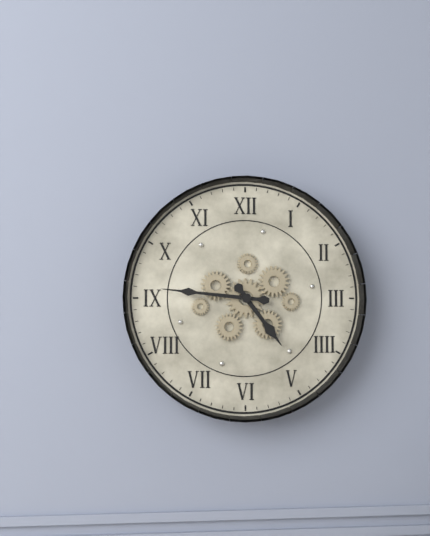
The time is h=4 m=46
